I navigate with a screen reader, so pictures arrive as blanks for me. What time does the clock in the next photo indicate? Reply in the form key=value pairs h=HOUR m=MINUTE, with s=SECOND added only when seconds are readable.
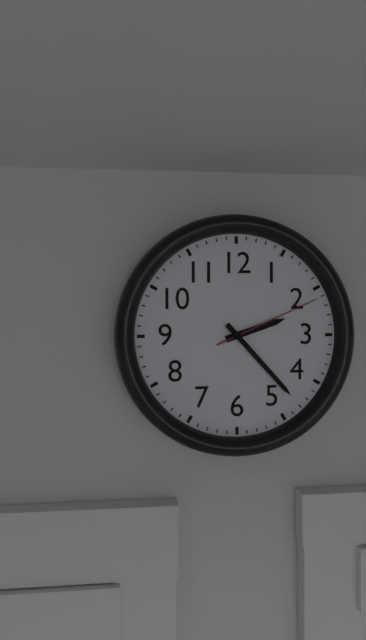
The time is h=2 m=23 s=11
